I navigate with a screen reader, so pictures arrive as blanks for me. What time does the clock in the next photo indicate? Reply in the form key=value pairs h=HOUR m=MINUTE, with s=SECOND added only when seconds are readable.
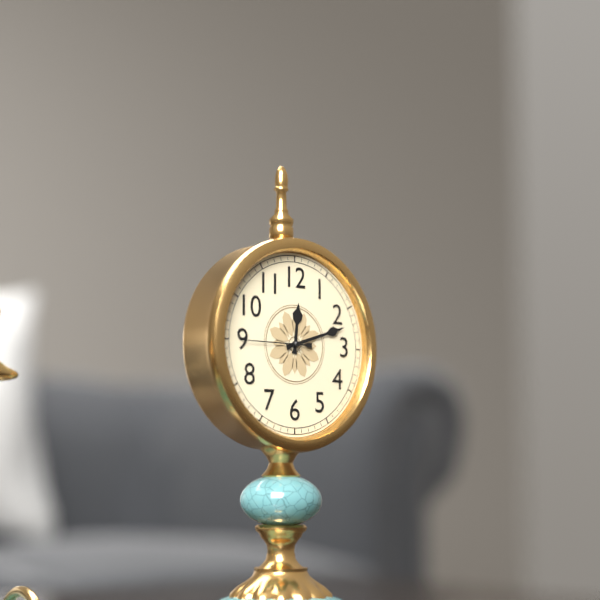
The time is h=12 m=12 s=45
